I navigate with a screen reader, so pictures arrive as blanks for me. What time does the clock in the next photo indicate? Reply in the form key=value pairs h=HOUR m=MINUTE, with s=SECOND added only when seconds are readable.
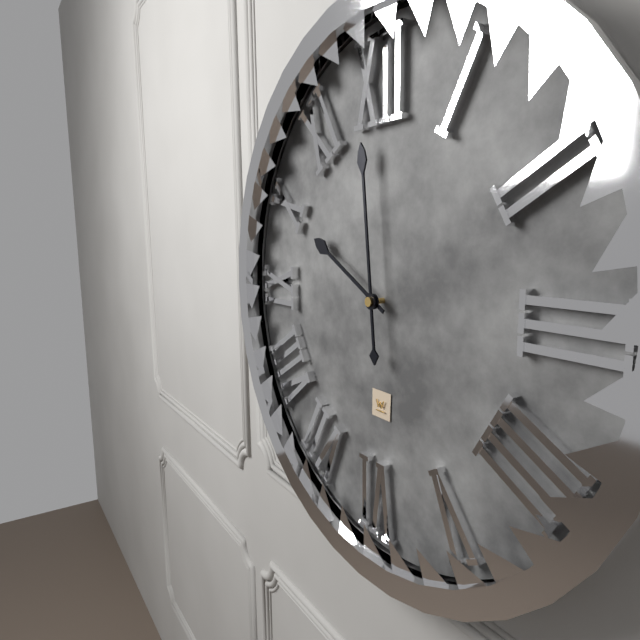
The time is h=9 m=59
